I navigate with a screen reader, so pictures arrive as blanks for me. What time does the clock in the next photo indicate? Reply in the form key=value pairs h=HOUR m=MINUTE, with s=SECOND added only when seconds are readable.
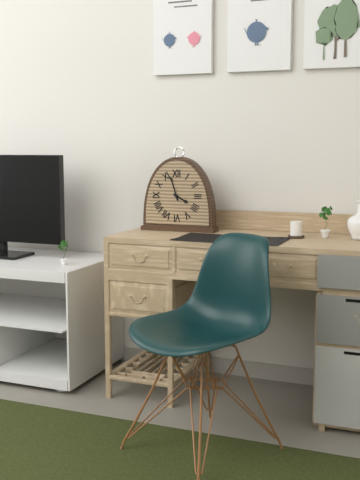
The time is h=3 m=57
